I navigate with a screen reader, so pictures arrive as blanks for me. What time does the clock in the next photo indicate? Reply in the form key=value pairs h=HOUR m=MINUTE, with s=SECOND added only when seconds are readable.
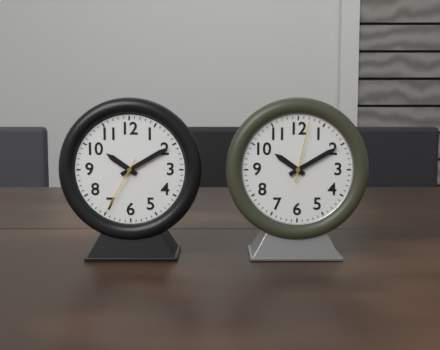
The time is h=10 m=10 s=35
